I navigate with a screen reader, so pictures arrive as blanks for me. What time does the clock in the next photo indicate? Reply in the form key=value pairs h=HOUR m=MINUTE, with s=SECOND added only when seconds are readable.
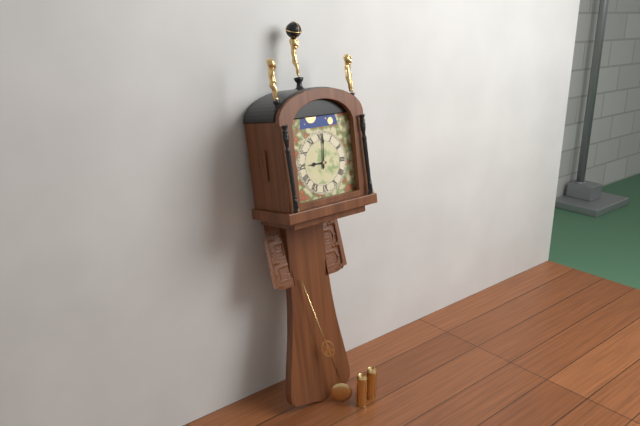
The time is h=9 m=1
